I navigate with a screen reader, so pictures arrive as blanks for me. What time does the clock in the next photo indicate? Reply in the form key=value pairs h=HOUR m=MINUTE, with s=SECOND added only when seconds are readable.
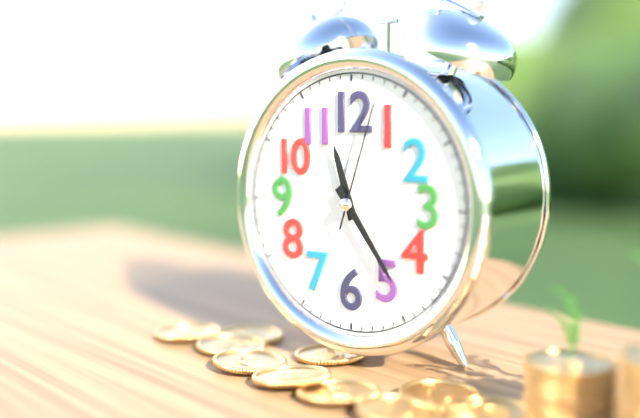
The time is h=11 m=24 s=3
